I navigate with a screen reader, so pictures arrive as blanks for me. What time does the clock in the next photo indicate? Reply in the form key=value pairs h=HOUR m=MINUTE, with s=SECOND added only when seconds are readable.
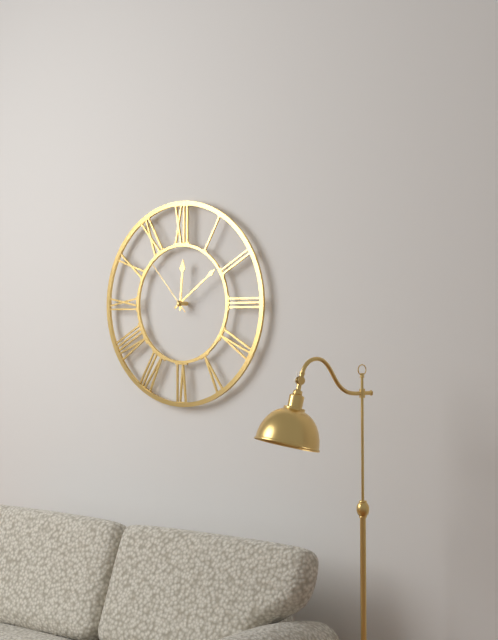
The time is h=12 m=9 s=53
